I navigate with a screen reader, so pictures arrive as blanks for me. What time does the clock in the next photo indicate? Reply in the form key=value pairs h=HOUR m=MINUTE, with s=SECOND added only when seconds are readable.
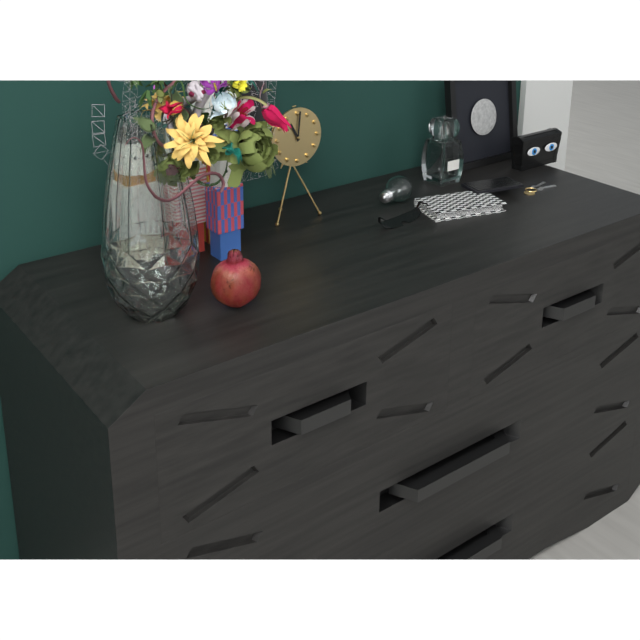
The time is h=11 m=1
